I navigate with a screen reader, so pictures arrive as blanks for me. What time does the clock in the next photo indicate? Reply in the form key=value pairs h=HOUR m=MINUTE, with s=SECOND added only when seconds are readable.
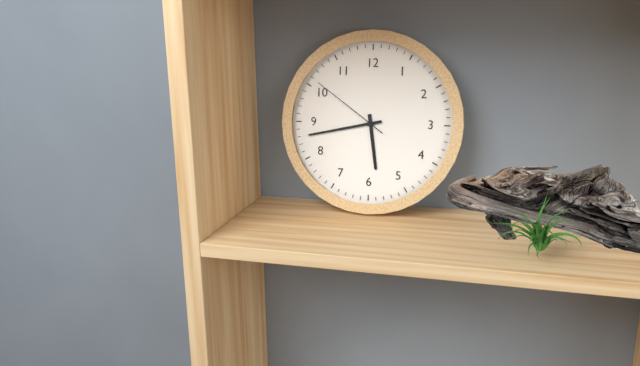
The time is h=5 m=43 s=51
